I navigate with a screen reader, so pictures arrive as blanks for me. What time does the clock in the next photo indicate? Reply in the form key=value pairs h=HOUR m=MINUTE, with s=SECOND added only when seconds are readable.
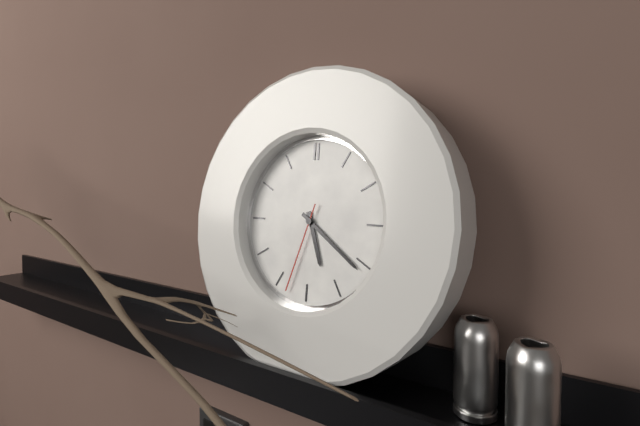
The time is h=5 m=21 s=33
